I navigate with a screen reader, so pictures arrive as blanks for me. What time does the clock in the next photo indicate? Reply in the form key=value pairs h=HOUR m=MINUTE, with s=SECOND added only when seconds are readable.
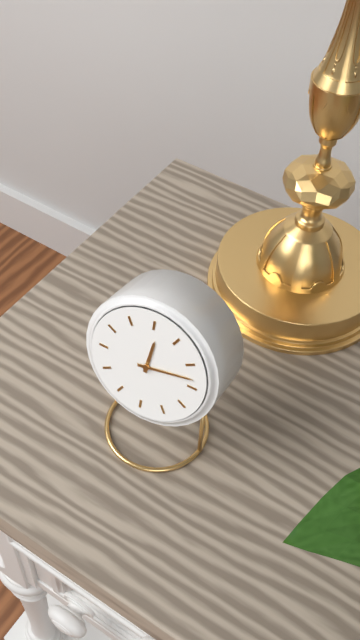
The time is h=12 m=13
